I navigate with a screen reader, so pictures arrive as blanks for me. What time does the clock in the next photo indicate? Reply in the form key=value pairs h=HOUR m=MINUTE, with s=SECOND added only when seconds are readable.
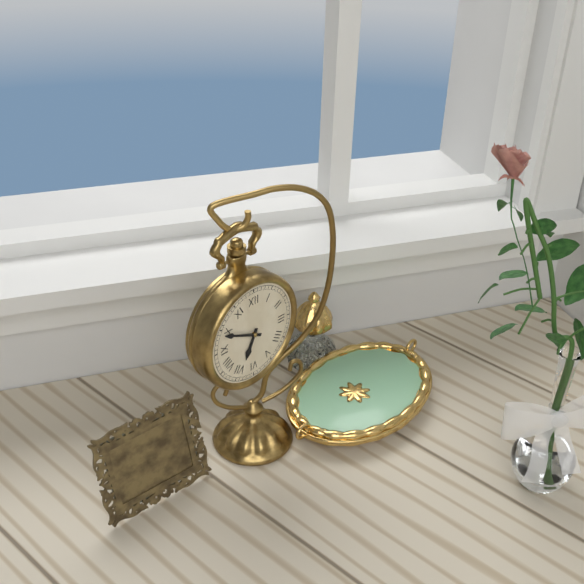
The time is h=6 m=49
